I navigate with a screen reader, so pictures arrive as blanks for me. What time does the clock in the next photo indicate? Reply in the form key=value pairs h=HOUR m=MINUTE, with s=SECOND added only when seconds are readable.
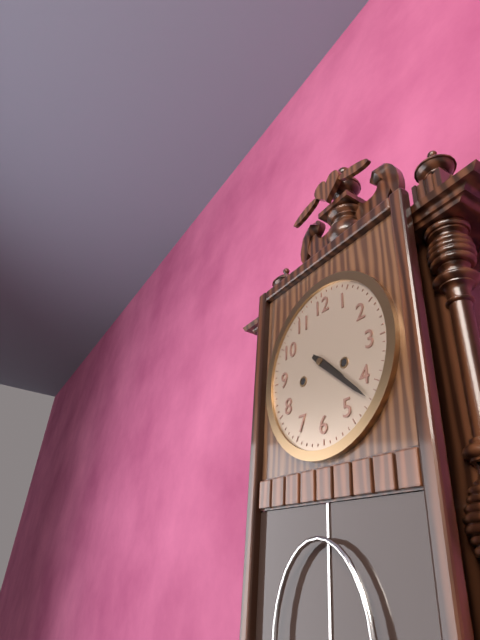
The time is h=4 m=22
